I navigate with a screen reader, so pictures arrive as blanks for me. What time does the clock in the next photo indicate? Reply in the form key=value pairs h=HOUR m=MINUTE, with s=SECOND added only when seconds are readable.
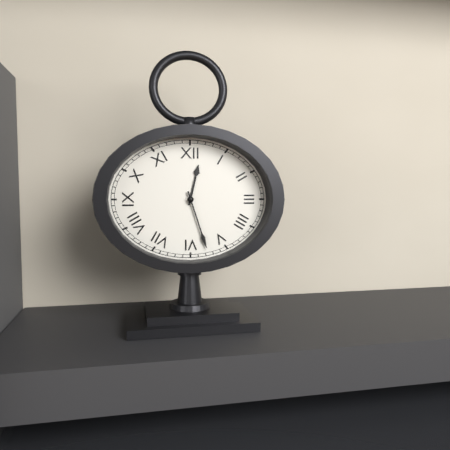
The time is h=12 m=27
